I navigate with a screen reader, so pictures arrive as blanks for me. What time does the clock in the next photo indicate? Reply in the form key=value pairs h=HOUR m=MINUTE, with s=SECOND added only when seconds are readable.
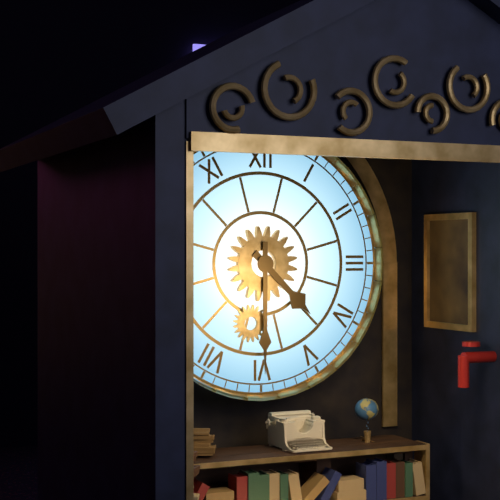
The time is h=4 m=30
